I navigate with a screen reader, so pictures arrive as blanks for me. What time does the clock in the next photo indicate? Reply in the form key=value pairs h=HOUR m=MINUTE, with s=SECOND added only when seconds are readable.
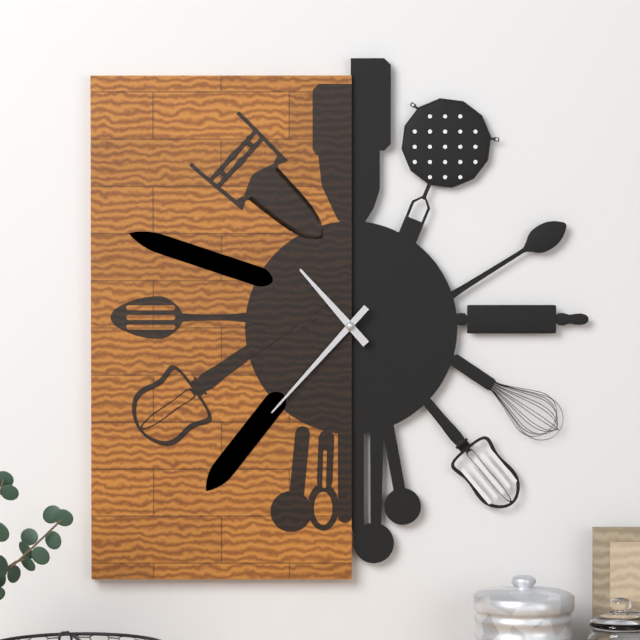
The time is h=10 m=37
